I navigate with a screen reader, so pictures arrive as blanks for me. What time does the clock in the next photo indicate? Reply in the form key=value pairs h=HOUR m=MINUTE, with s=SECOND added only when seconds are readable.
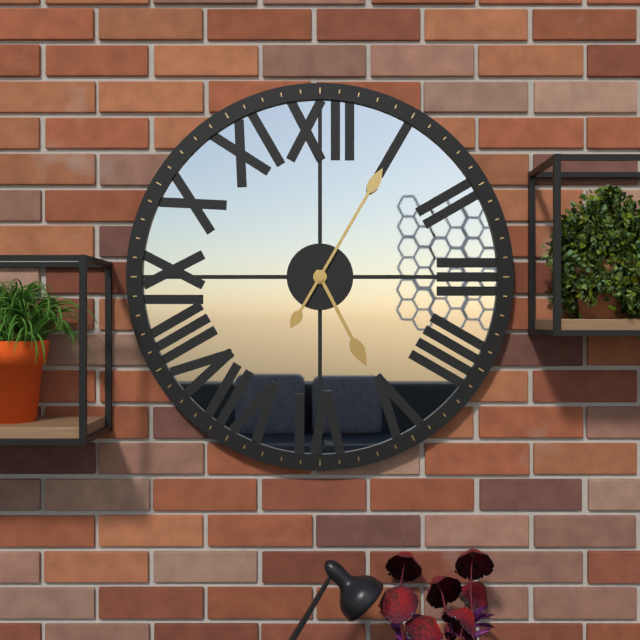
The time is h=5 m=5
